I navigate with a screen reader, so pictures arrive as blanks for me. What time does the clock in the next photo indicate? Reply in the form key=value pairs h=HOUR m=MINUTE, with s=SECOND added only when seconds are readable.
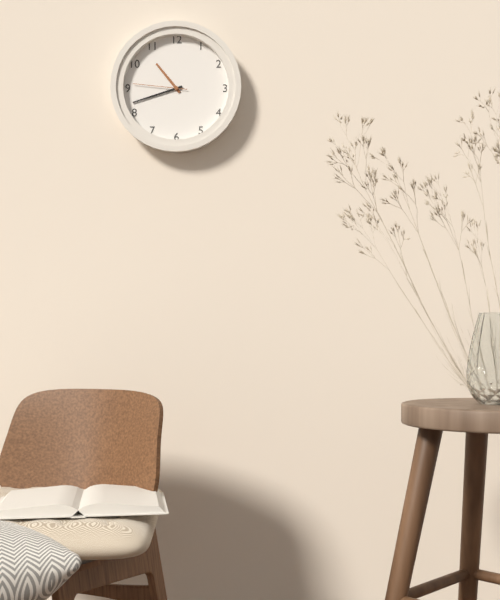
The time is h=10 m=42 s=46
